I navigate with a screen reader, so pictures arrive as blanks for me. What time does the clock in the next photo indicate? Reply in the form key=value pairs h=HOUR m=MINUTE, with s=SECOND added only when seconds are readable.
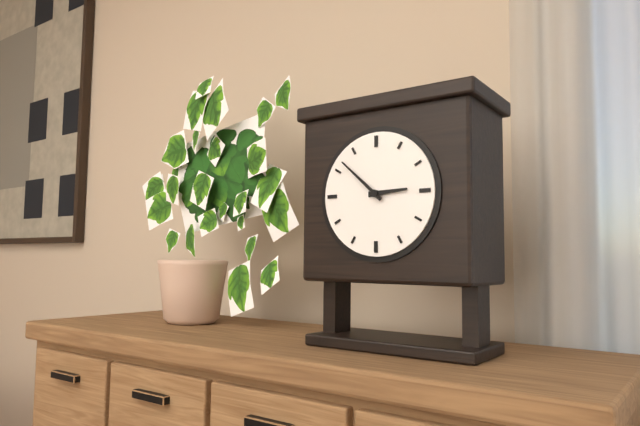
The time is h=2 m=52
